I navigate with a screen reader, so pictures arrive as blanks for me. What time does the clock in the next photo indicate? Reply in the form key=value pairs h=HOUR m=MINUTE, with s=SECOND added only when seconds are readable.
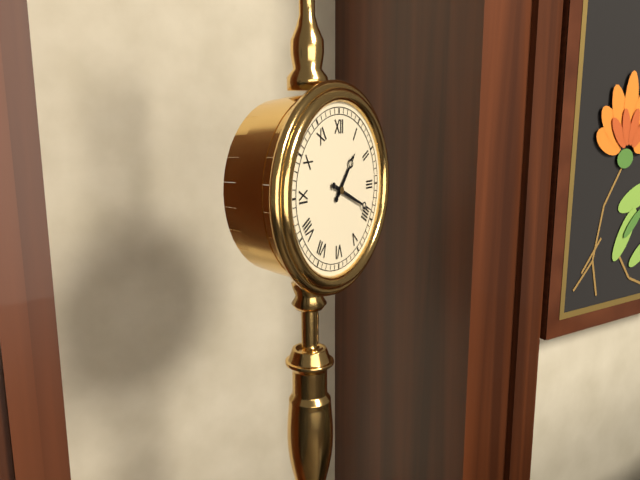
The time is h=1 m=19
